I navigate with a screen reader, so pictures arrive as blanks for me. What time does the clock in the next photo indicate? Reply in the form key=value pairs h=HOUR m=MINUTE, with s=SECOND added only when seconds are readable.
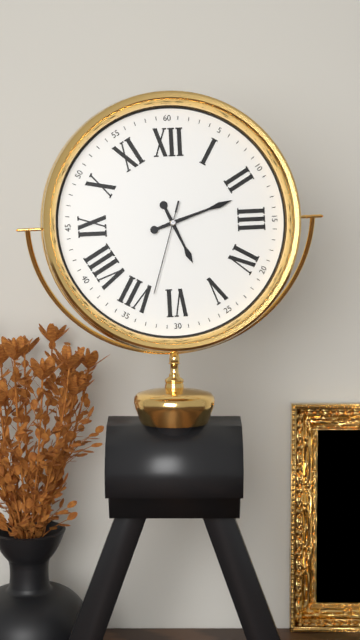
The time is h=5 m=12 s=33
